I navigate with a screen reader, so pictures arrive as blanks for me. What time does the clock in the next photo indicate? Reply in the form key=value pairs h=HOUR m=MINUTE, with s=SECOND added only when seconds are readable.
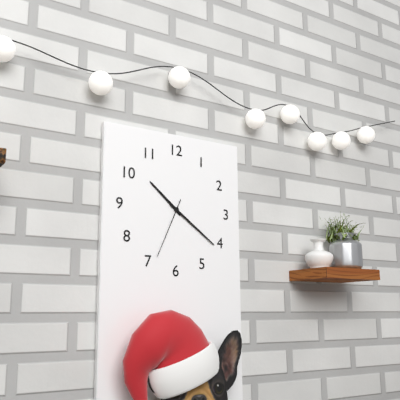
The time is h=10 m=21 s=34
